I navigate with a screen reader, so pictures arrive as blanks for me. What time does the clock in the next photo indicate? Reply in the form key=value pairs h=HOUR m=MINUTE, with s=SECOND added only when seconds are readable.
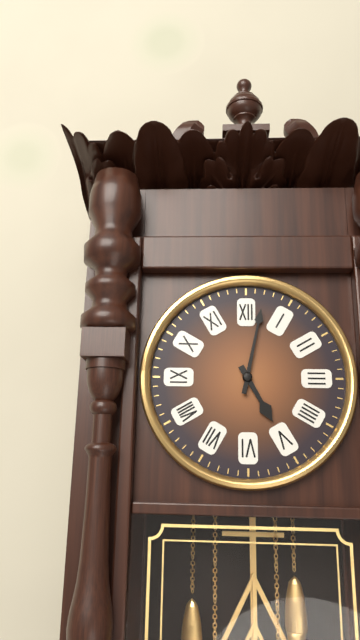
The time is h=5 m=2
